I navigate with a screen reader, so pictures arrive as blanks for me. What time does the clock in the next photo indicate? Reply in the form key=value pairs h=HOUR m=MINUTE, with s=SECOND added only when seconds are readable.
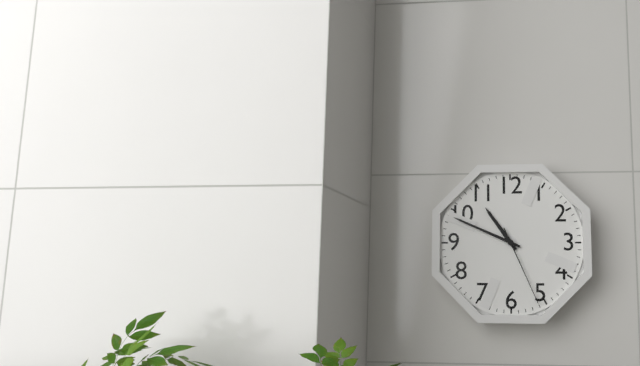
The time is h=10 m=49 s=26
